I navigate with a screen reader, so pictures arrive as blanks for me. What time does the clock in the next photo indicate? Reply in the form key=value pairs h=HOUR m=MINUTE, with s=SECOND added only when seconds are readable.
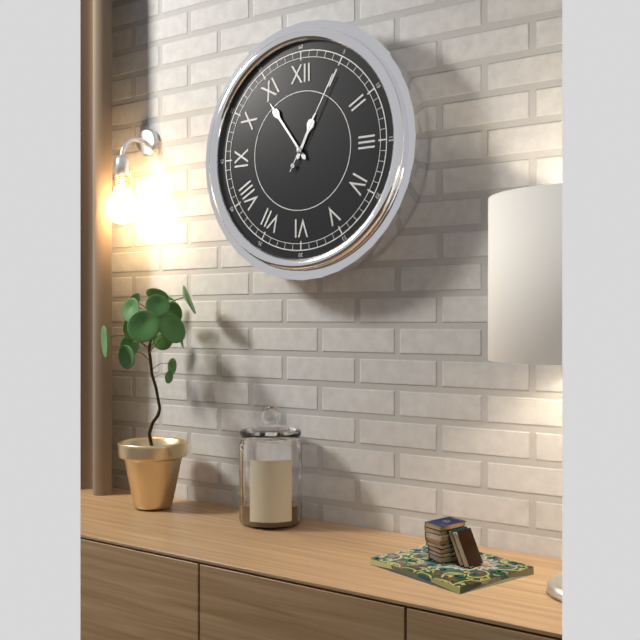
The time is h=12 m=54 s=5
